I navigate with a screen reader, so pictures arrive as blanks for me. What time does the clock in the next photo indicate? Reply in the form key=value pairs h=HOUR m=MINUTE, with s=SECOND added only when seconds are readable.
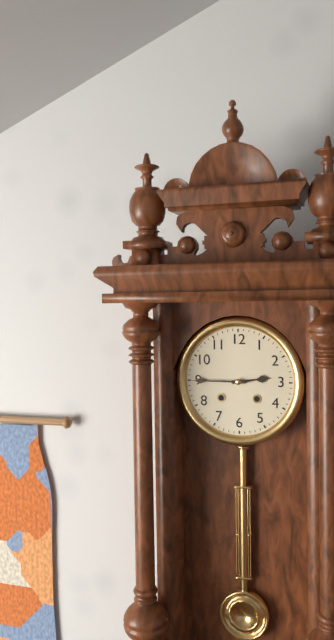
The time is h=2 m=45
